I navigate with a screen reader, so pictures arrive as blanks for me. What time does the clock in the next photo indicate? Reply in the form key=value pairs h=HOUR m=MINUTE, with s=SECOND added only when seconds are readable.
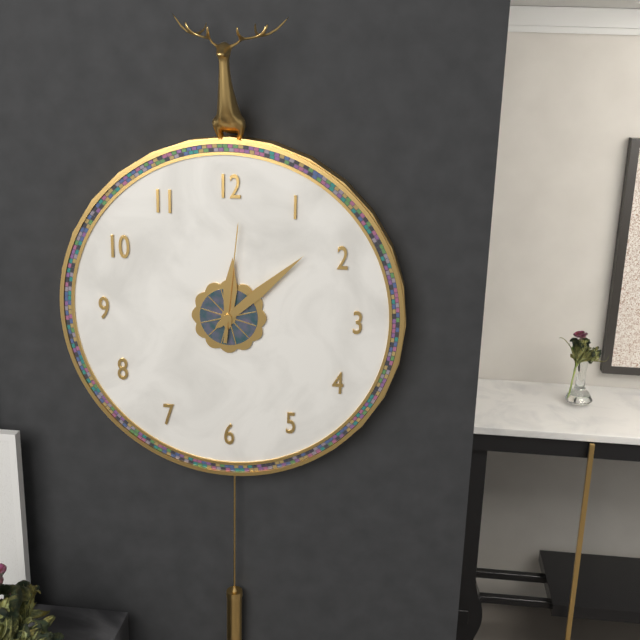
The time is h=12 m=8 s=1
